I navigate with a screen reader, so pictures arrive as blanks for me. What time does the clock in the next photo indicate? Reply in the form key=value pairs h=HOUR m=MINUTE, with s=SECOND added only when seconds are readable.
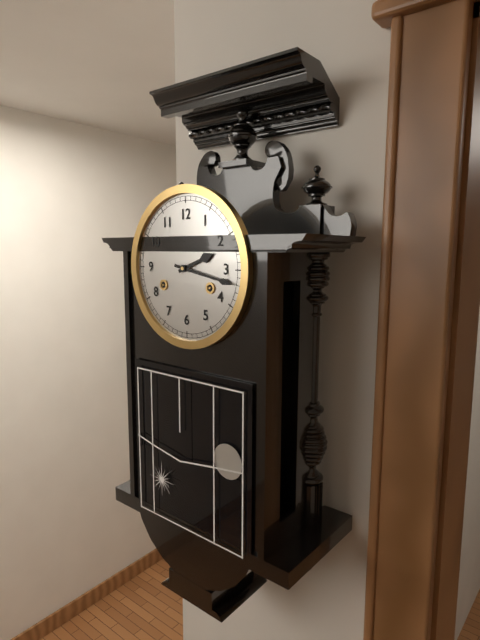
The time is h=2 m=17
